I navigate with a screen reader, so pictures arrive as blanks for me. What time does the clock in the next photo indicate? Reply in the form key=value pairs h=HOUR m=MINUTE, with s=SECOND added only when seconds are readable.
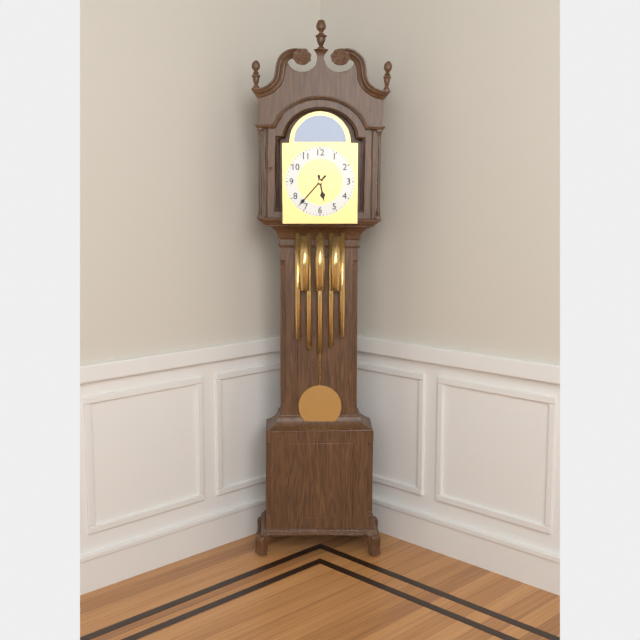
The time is h=5 m=37
